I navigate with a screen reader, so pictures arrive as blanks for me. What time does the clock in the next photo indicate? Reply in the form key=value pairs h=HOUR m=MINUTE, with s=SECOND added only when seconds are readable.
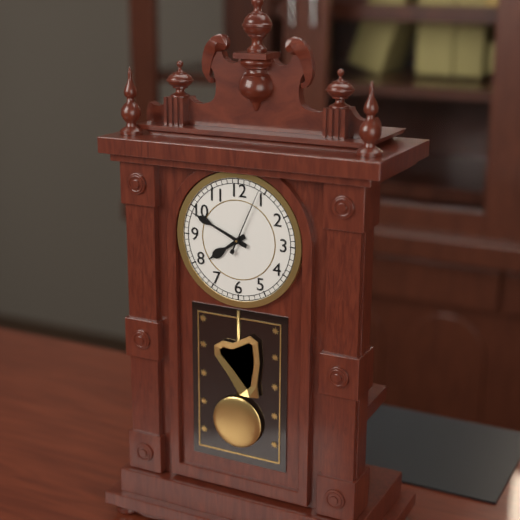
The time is h=7 m=49 s=4
